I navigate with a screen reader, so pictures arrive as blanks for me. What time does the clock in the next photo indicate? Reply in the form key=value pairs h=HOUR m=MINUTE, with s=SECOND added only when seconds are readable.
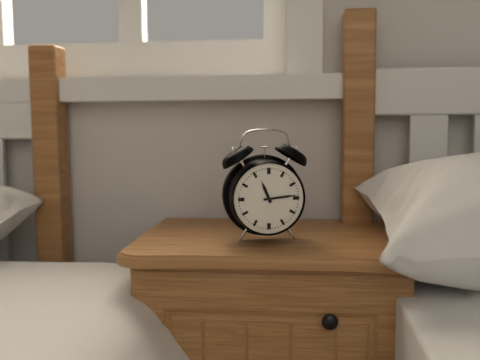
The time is h=11 m=14
